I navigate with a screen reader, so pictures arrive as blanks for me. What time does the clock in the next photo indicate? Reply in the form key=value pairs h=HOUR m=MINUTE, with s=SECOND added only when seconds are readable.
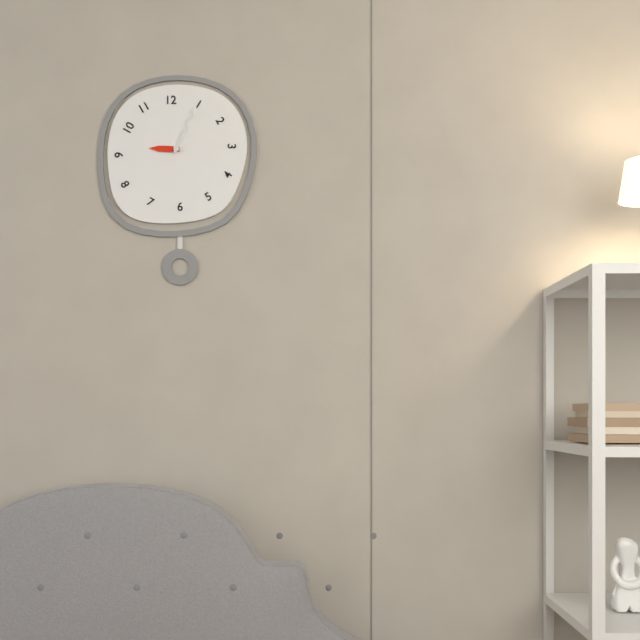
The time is h=9 m=4
